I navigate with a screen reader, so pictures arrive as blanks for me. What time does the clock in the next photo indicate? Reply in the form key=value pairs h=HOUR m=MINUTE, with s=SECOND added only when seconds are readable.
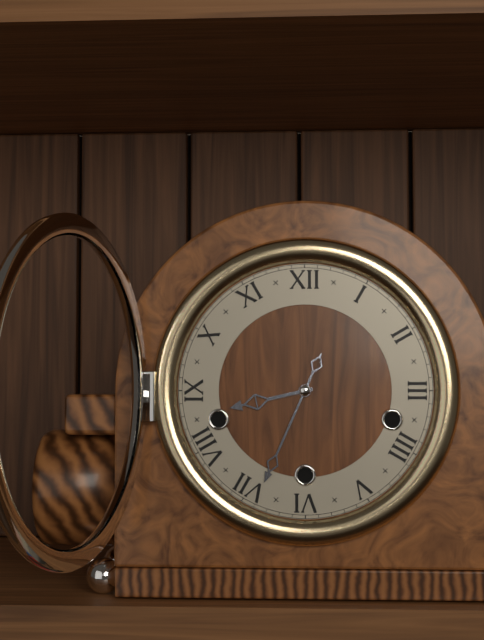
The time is h=8 m=34
